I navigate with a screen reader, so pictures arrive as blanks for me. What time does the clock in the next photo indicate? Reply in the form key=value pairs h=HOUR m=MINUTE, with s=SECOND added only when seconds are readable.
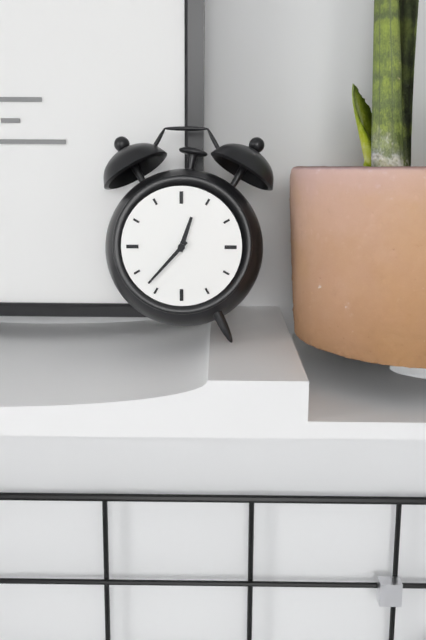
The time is h=12 m=37
